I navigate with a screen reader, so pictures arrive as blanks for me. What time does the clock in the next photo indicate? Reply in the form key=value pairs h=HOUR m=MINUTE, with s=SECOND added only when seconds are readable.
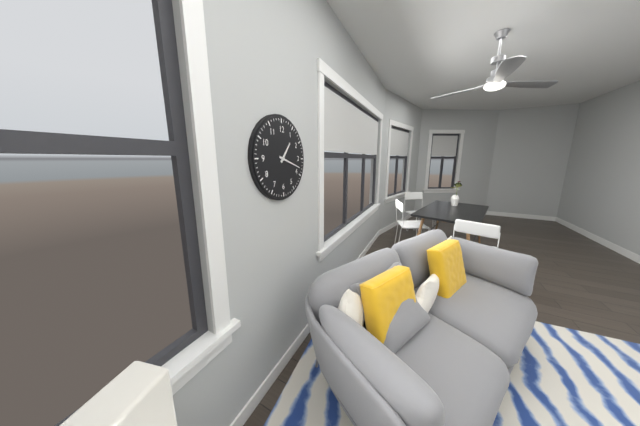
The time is h=1 m=18
